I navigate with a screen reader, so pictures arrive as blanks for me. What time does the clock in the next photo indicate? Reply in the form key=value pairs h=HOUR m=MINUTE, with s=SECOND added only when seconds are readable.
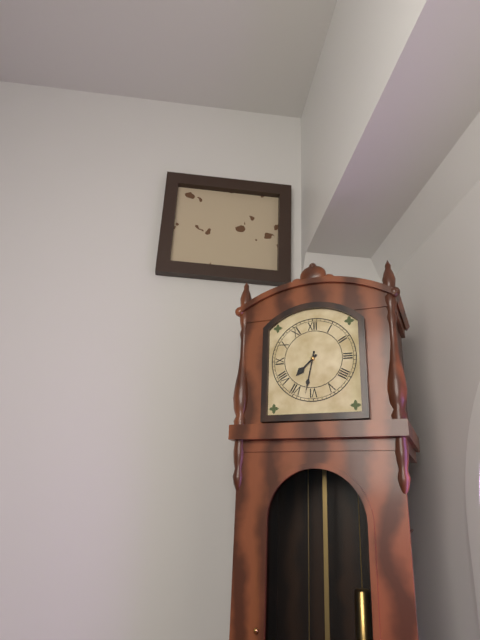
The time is h=7 m=32
